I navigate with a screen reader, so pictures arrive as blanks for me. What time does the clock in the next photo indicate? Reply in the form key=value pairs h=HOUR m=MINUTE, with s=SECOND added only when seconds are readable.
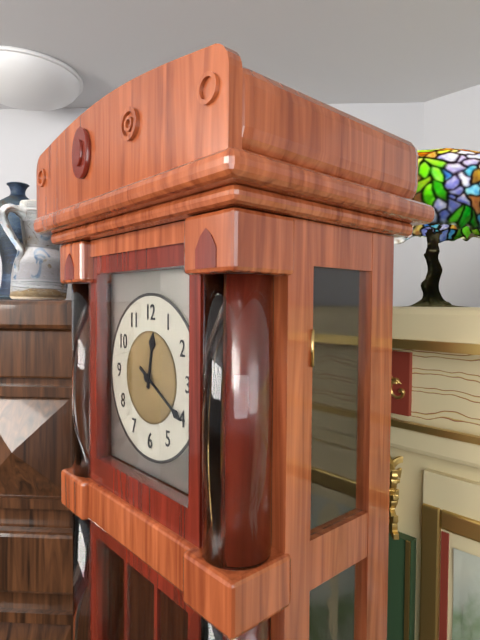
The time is h=12 m=20
